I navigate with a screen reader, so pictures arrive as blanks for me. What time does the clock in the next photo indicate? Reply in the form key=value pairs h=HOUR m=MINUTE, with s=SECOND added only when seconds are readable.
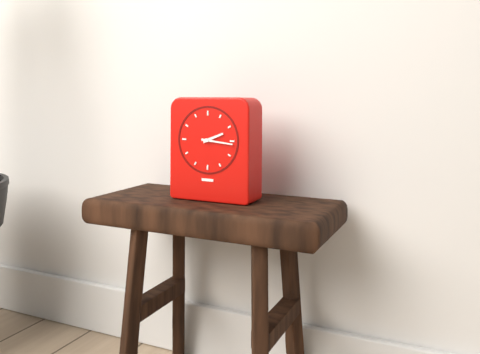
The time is h=2 m=16
